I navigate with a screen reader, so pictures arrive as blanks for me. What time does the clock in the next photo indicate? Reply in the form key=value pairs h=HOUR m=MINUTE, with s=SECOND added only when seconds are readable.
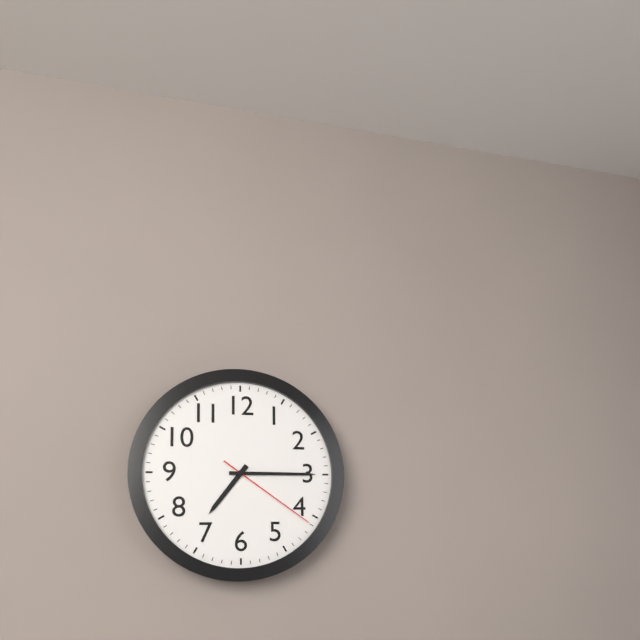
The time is h=7 m=15 s=21
